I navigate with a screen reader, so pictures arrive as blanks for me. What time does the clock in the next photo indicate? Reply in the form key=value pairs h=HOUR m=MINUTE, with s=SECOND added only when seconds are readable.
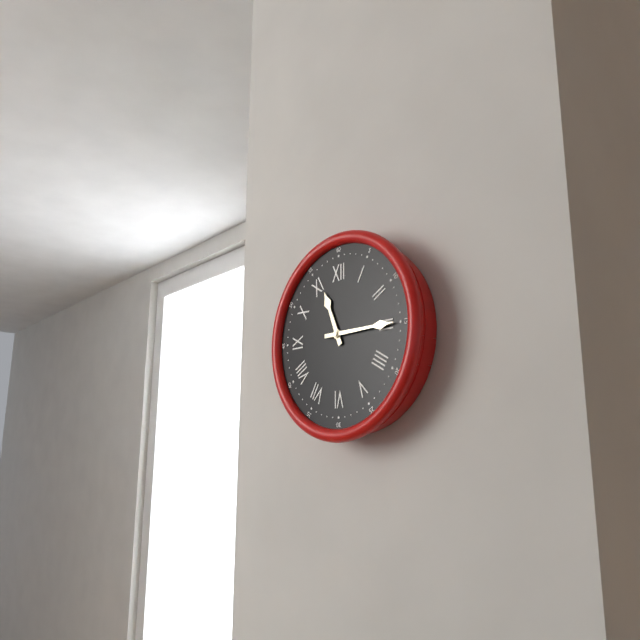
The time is h=11 m=15
